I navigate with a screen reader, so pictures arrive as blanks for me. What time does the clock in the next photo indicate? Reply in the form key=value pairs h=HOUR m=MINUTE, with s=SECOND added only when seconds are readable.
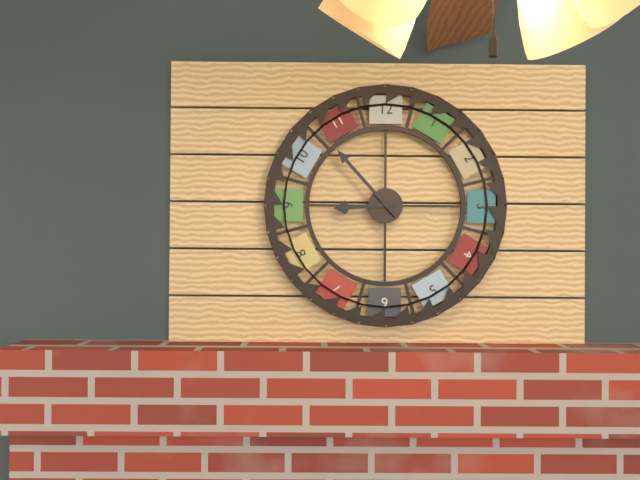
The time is h=8 m=53
